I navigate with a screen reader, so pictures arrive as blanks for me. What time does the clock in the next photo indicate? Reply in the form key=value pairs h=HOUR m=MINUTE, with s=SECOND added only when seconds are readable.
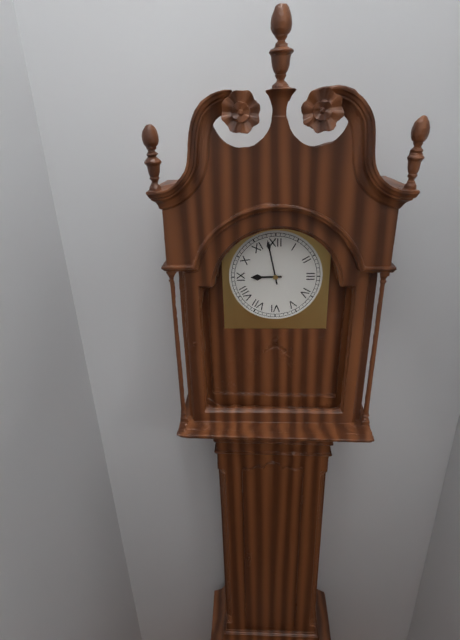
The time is h=8 m=58
